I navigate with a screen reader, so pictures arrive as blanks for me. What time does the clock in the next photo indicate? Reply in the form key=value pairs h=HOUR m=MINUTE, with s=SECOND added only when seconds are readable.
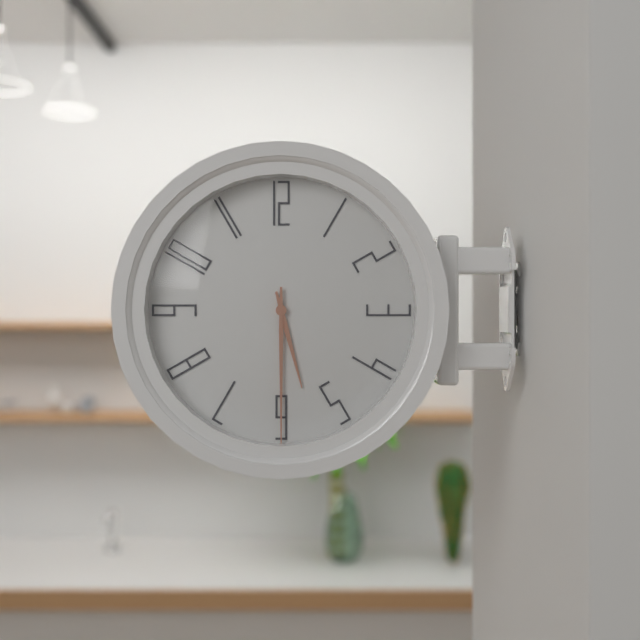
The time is h=5 m=30
